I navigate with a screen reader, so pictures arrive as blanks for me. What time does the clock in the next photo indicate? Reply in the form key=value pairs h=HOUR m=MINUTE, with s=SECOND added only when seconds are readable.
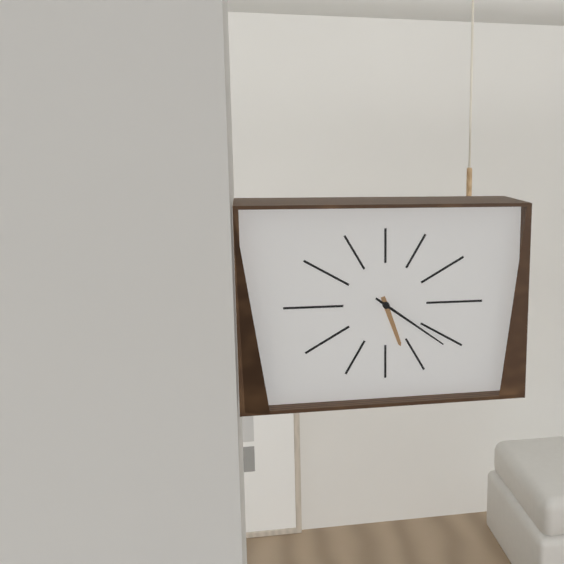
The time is h=5 m=21
